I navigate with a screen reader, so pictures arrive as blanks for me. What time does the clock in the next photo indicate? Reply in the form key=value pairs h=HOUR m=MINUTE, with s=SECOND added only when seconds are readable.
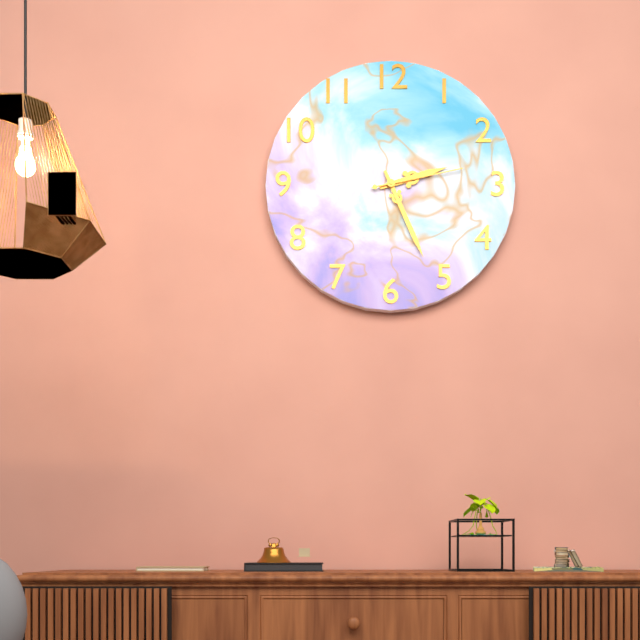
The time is h=2 m=26 s=13
